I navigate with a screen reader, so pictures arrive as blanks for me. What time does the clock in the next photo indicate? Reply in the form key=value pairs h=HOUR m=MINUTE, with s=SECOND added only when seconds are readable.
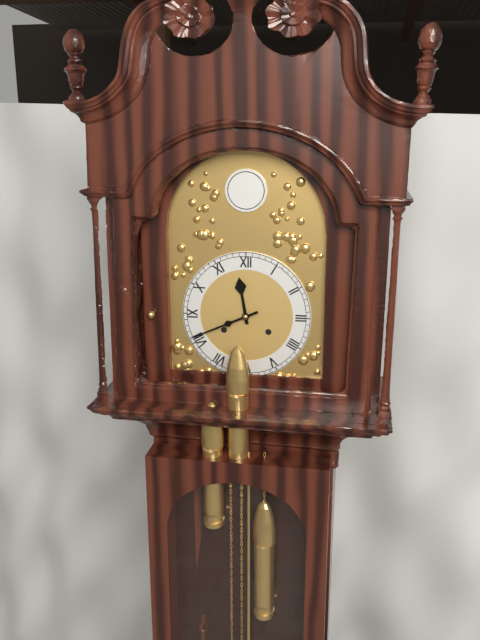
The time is h=11 m=41
